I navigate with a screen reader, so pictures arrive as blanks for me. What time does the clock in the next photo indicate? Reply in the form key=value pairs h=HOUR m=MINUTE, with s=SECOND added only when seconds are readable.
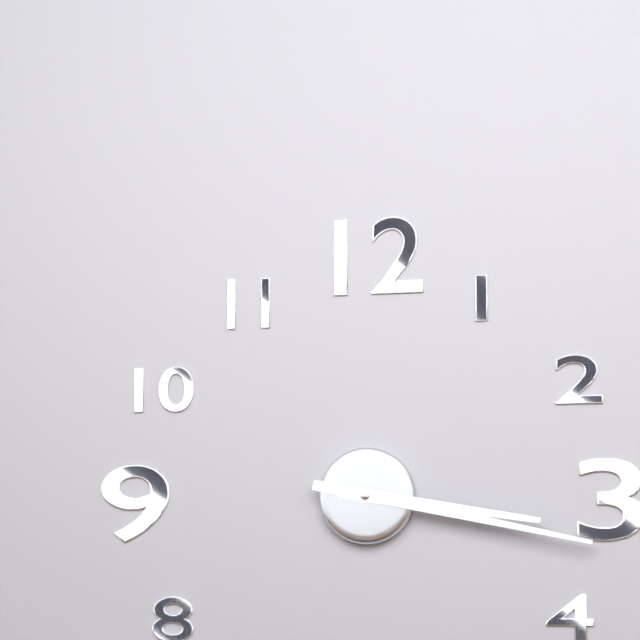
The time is h=3 m=17
